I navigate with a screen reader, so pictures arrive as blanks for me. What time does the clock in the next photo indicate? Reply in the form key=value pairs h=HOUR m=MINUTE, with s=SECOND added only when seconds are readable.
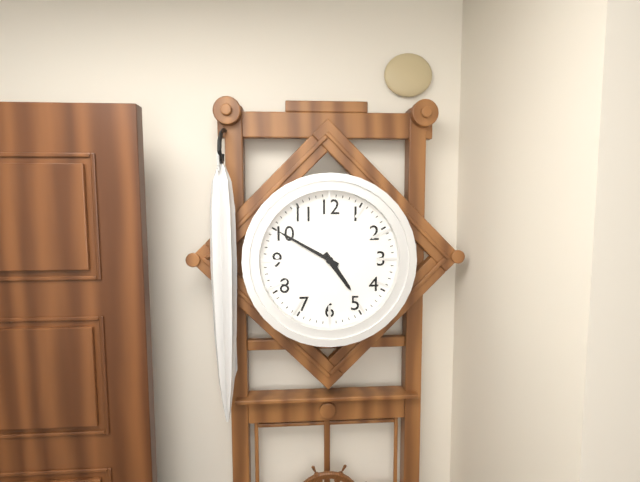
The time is h=4 m=50
